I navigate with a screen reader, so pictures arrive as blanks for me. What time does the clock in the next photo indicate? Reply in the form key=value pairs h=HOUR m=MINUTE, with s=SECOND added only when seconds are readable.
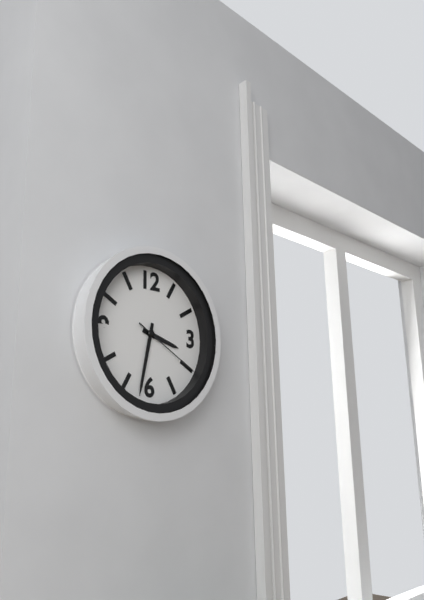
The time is h=3 m=32 s=20
